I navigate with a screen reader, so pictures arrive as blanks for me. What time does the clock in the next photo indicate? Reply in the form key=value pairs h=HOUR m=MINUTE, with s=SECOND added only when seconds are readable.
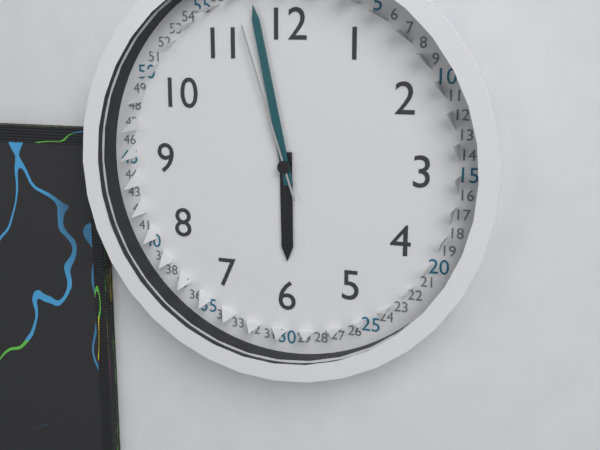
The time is h=5 m=58 s=57
